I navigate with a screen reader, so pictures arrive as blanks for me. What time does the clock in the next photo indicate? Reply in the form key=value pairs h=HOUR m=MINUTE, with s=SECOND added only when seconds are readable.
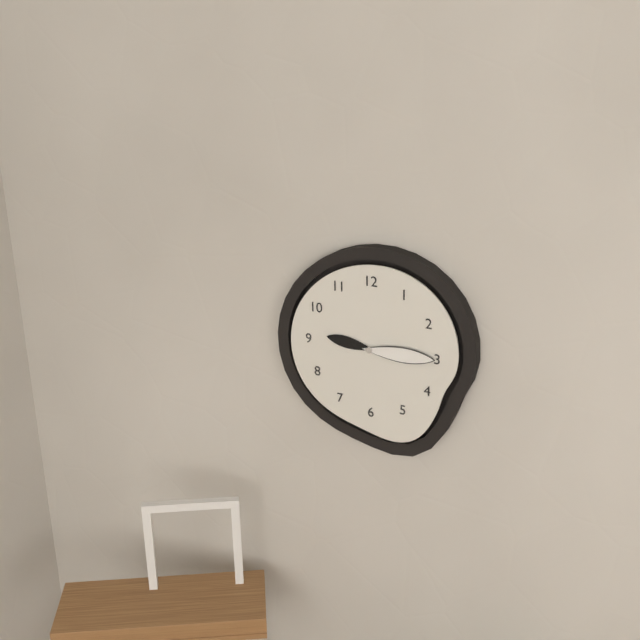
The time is h=9 m=15
